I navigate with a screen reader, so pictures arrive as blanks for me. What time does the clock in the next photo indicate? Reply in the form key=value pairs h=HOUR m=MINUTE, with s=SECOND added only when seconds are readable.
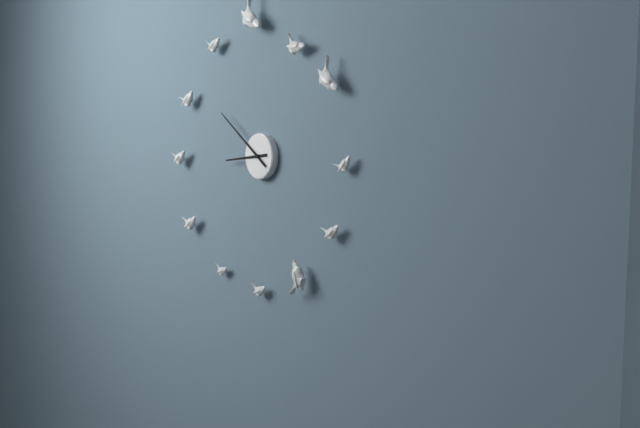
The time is h=8 m=51
